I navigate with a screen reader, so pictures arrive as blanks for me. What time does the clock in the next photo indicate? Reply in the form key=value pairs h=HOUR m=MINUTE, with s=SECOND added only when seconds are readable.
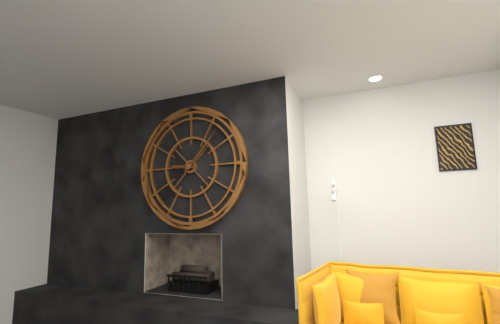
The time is h=9 m=7
